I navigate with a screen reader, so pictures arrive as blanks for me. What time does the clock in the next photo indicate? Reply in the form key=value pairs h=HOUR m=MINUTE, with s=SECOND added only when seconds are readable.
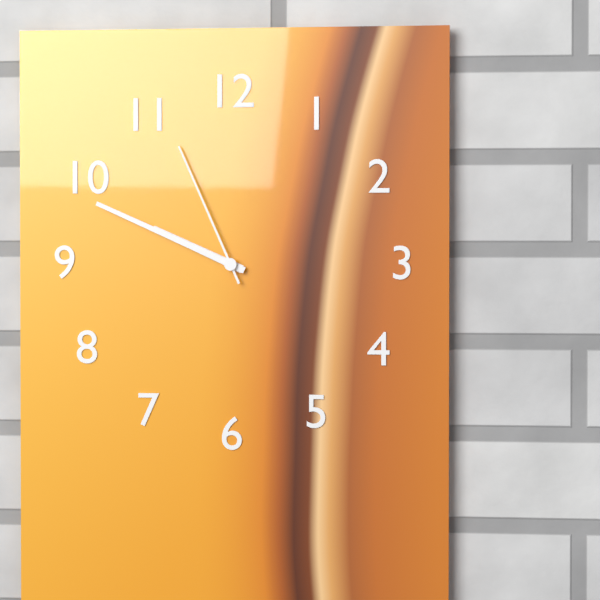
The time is h=9 m=49 s=56
